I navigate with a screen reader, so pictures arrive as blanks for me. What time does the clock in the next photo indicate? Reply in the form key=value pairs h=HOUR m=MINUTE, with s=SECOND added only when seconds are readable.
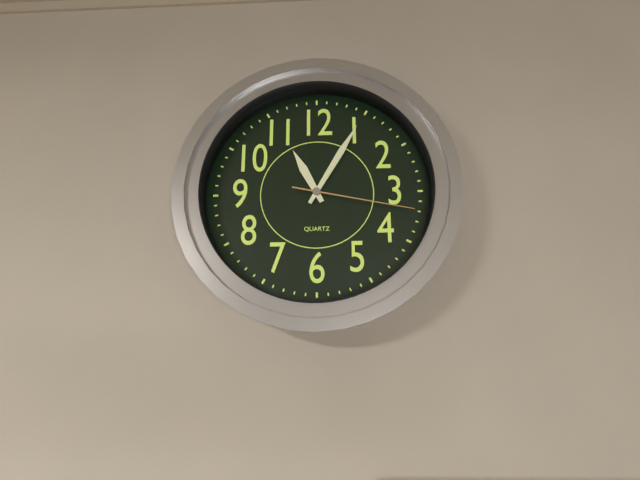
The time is h=11 m=5 s=17
